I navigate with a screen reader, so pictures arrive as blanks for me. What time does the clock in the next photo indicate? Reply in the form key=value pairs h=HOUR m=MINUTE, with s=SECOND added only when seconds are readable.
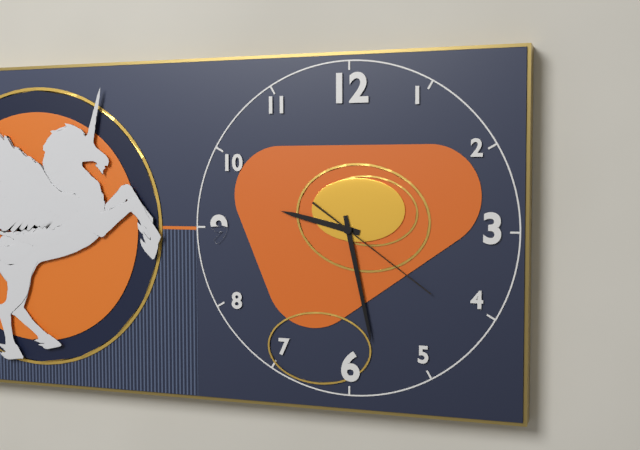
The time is h=9 m=28 s=21
